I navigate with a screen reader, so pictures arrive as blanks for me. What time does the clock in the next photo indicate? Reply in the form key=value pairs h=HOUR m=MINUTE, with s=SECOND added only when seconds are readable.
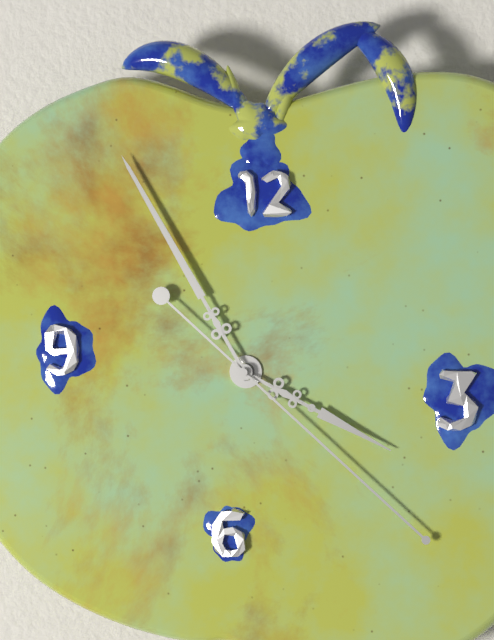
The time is h=3 m=55 s=22
